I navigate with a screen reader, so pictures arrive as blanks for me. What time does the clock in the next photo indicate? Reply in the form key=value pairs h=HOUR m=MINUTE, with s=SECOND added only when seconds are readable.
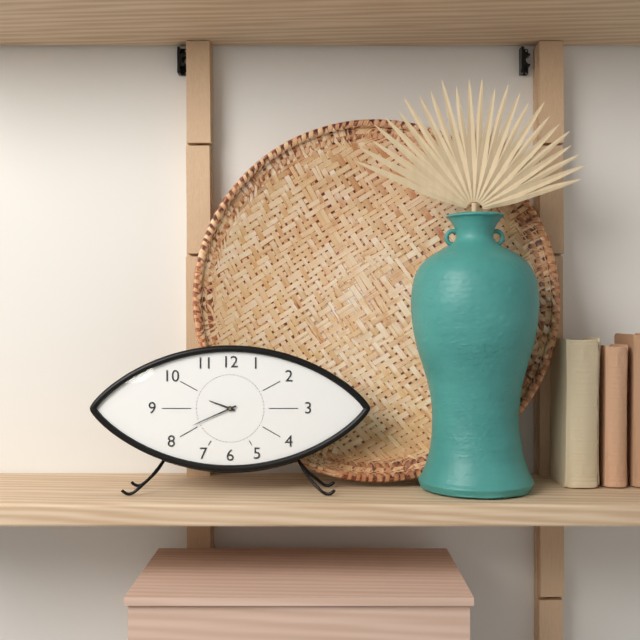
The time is h=9 m=41
